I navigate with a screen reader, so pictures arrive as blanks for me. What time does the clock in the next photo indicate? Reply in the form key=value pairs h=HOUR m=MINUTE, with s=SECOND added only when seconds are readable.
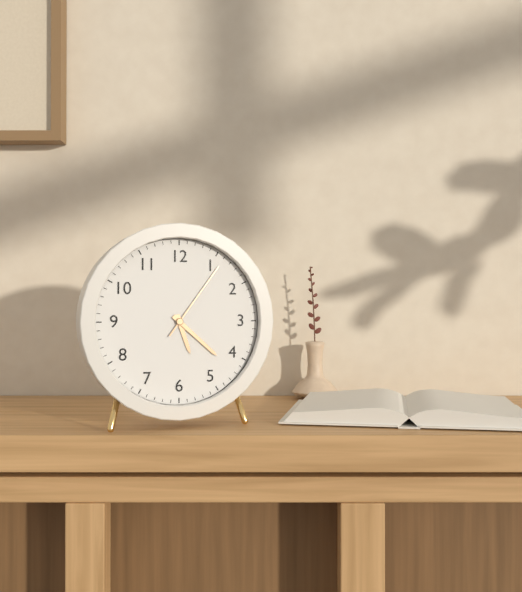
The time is h=5 m=22 s=6
